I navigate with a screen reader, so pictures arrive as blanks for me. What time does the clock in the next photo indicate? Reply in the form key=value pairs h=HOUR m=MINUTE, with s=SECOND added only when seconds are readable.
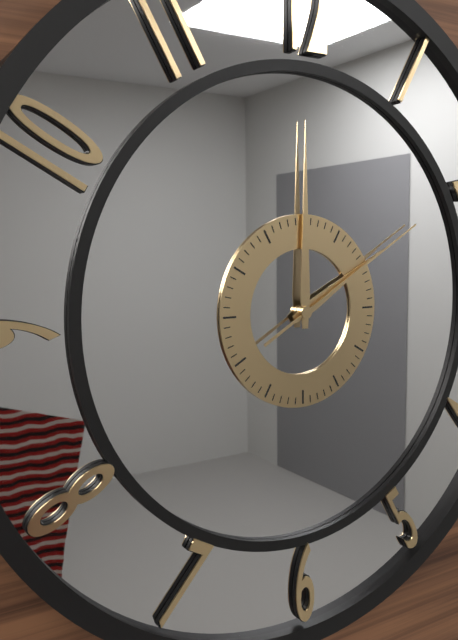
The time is h=2 m=0 s=10
